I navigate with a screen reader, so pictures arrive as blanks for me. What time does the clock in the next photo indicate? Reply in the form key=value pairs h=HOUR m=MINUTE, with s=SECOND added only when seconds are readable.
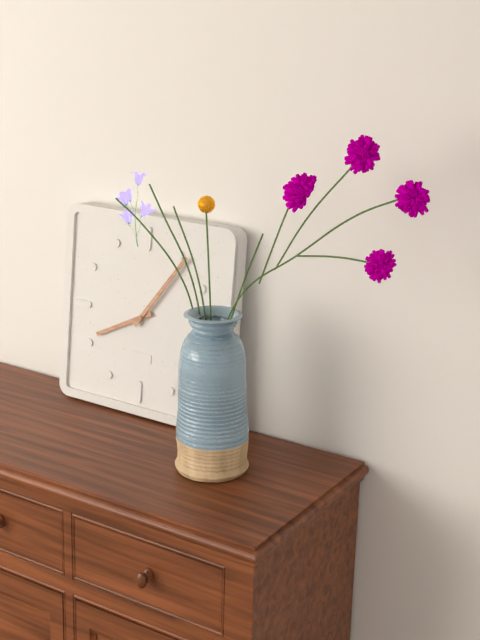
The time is h=8 m=6
